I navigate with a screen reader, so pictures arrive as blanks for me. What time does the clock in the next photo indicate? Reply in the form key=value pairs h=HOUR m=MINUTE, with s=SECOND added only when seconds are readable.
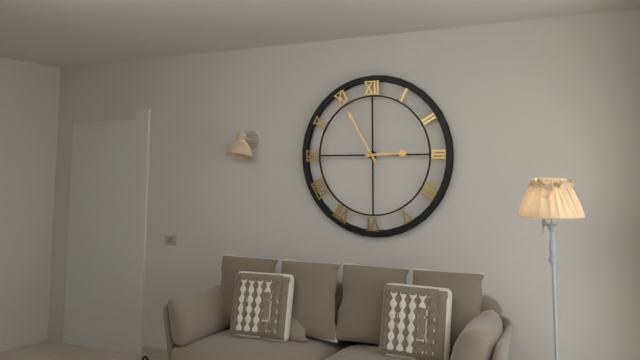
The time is h=2 m=55
